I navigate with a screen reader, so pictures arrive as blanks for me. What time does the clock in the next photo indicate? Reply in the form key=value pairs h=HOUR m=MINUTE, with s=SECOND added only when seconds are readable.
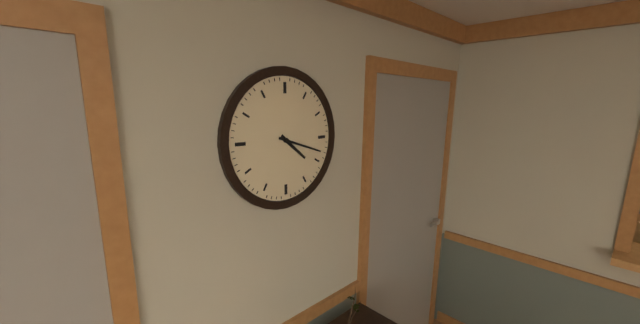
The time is h=4 m=18
